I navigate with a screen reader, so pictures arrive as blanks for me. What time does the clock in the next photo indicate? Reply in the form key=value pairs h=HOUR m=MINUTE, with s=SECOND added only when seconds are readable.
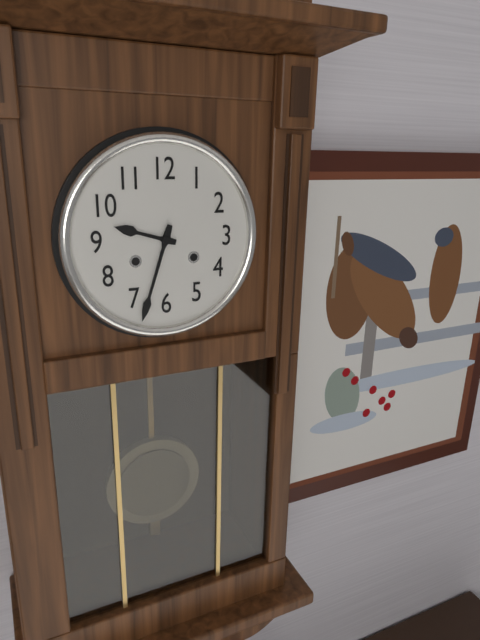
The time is h=9 m=33
